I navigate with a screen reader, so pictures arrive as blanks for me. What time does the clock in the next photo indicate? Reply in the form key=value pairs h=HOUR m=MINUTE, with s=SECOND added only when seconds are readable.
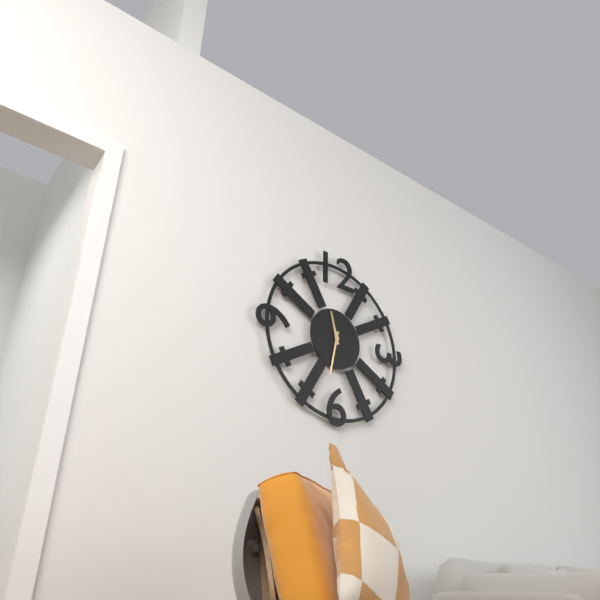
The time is h=11 m=32
